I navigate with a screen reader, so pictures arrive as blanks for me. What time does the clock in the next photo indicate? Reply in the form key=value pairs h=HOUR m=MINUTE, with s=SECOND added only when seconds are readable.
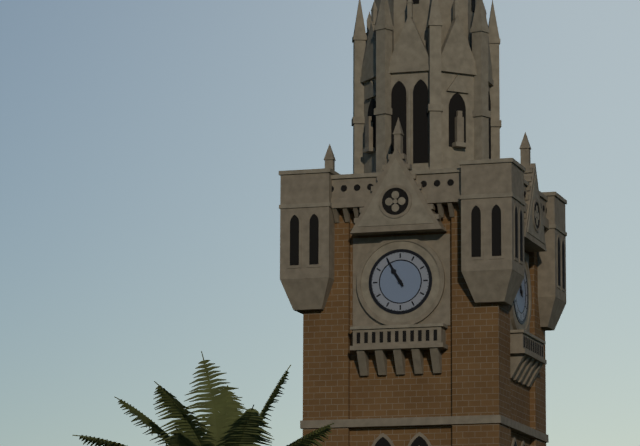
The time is h=10 m=55
